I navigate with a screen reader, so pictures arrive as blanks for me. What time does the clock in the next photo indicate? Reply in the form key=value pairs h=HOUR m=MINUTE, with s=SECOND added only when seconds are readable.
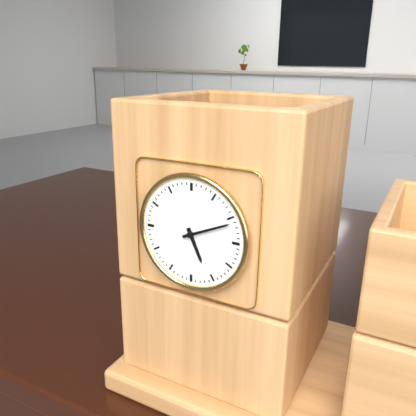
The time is h=5 m=11
